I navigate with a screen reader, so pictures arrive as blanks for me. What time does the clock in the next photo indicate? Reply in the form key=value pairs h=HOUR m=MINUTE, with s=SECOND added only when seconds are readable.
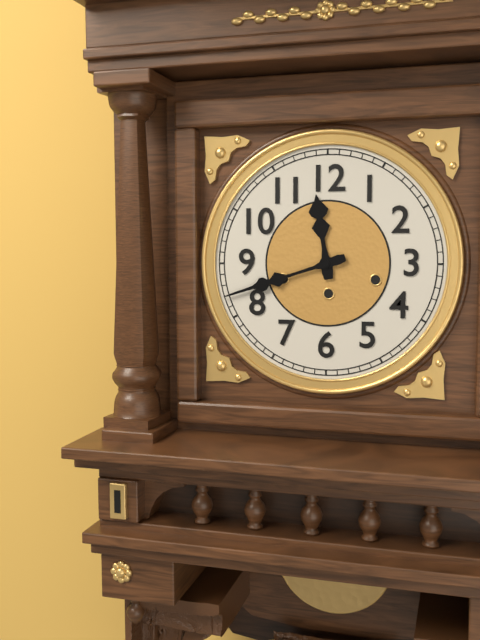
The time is h=11 m=42
